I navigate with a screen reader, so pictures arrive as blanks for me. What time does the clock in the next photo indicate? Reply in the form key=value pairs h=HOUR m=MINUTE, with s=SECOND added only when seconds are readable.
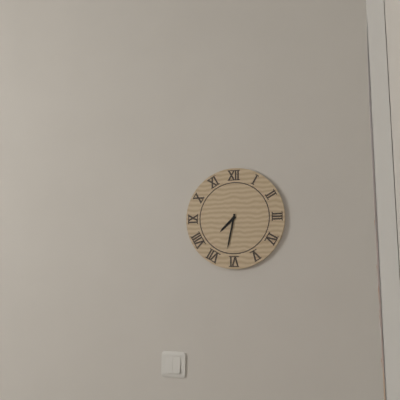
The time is h=7 m=32
